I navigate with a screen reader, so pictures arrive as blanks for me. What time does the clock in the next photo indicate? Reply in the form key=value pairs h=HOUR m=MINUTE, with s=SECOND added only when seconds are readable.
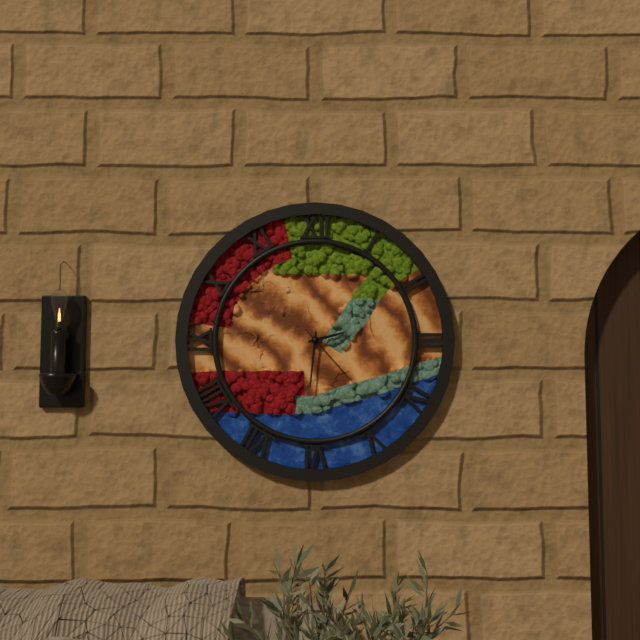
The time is h=2 m=31 s=23
